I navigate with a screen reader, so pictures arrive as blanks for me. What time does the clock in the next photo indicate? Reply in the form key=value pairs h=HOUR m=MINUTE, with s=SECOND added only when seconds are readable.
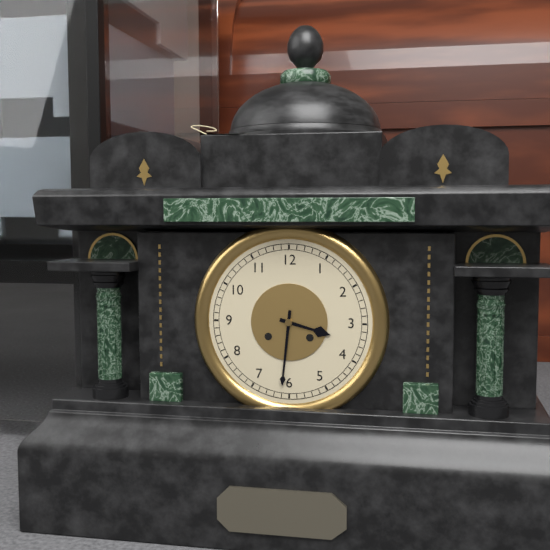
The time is h=3 m=31
